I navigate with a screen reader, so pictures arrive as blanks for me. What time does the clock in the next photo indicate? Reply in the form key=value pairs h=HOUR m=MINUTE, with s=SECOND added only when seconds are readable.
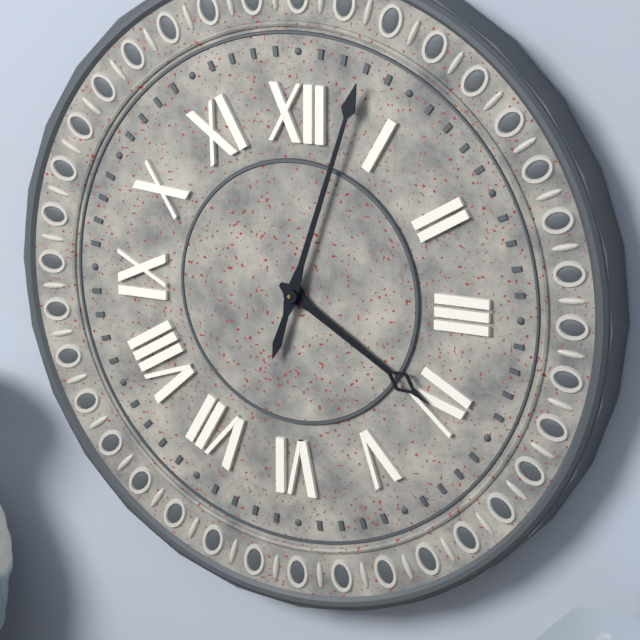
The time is h=4 m=3
